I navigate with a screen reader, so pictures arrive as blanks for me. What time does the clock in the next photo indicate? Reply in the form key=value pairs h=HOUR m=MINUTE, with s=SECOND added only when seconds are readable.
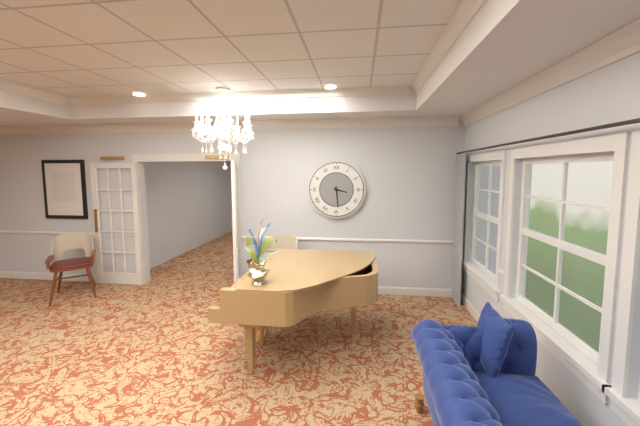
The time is h=3 m=29
